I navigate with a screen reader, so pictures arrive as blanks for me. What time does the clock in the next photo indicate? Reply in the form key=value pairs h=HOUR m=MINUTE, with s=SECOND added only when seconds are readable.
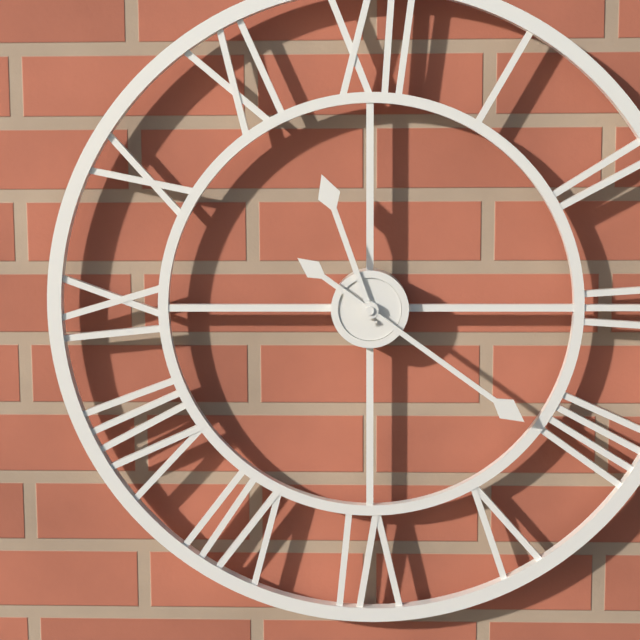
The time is h=11 m=21
